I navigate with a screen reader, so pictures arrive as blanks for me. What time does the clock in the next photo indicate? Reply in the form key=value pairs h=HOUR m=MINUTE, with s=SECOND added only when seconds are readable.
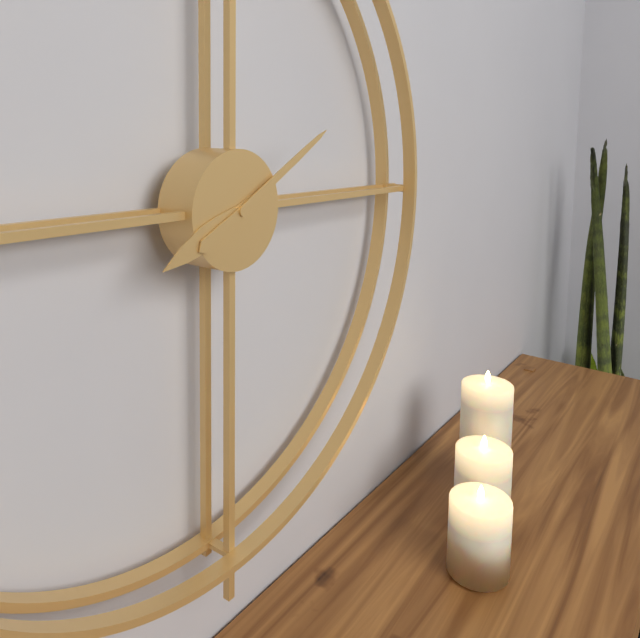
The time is h=8 m=10
